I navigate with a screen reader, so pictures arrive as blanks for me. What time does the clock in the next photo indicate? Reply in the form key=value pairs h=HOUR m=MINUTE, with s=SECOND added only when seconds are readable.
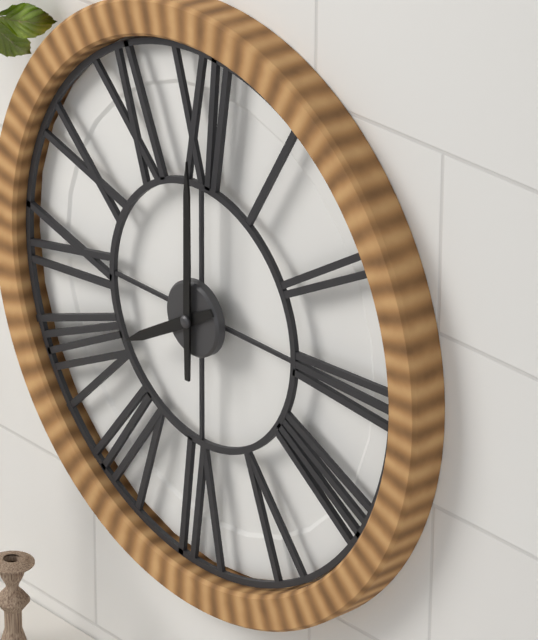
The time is h=8 m=0
